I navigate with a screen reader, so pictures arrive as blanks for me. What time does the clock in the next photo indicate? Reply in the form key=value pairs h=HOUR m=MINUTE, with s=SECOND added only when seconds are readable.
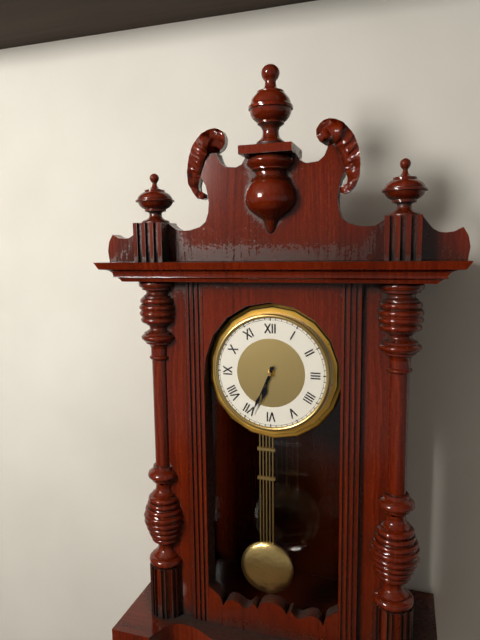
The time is h=6 m=34
